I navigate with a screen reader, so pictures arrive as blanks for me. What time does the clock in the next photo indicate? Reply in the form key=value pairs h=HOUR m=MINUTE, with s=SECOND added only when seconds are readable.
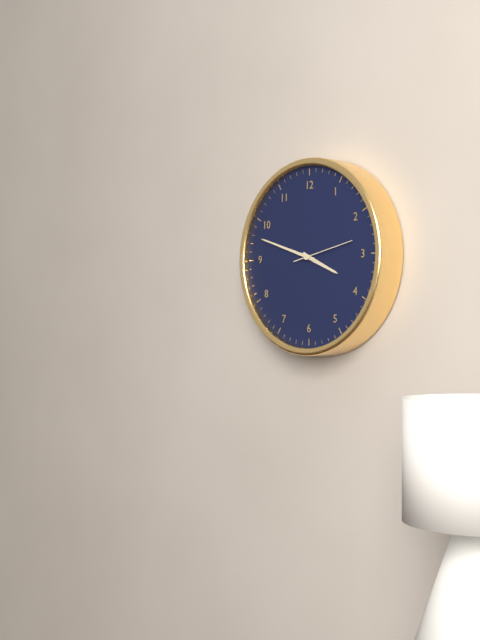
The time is h=3 m=48 s=13
